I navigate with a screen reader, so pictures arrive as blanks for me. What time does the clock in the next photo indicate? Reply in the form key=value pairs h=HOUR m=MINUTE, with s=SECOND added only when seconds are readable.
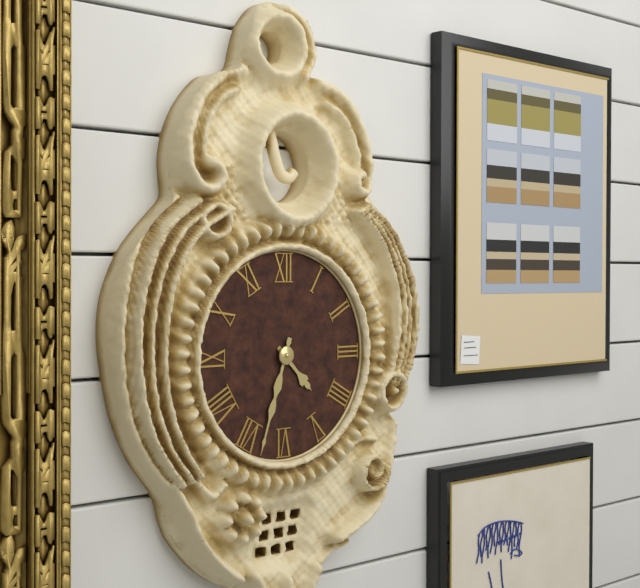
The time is h=4 m=33
